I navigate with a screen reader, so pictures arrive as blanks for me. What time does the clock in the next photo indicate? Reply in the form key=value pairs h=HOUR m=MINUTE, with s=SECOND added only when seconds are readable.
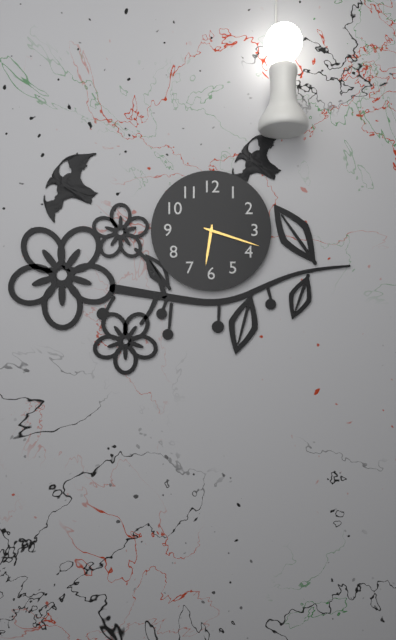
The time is h=6 m=18
